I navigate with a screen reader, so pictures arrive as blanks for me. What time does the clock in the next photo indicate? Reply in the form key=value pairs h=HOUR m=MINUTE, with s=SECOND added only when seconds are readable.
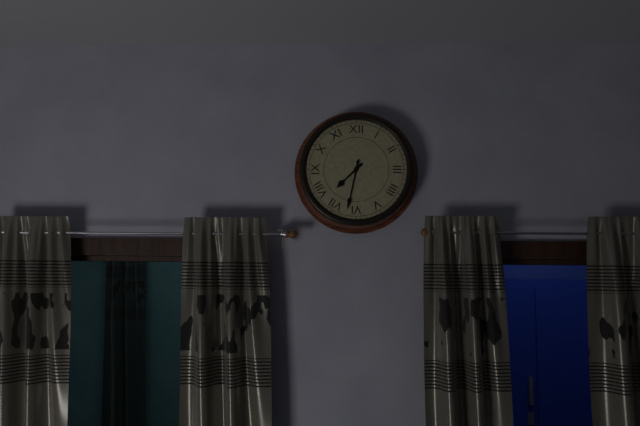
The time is h=7 m=32
